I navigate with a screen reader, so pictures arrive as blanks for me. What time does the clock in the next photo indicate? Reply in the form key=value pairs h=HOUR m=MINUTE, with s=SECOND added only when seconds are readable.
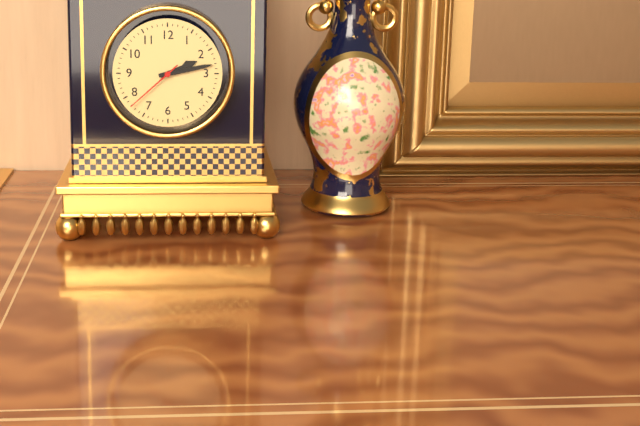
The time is h=2 m=13 s=38
